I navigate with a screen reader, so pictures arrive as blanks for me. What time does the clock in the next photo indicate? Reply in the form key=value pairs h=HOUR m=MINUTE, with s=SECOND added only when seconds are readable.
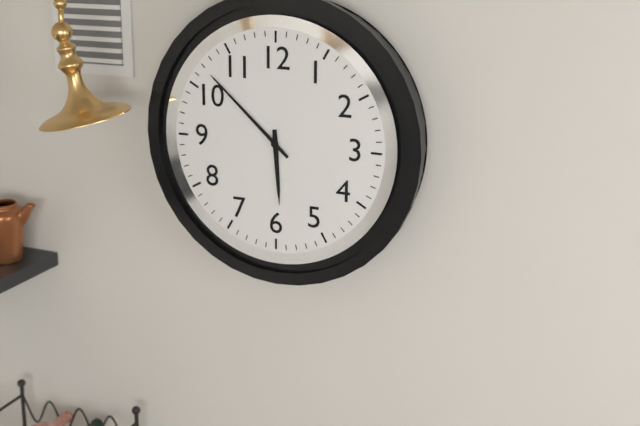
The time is h=5 m=52
